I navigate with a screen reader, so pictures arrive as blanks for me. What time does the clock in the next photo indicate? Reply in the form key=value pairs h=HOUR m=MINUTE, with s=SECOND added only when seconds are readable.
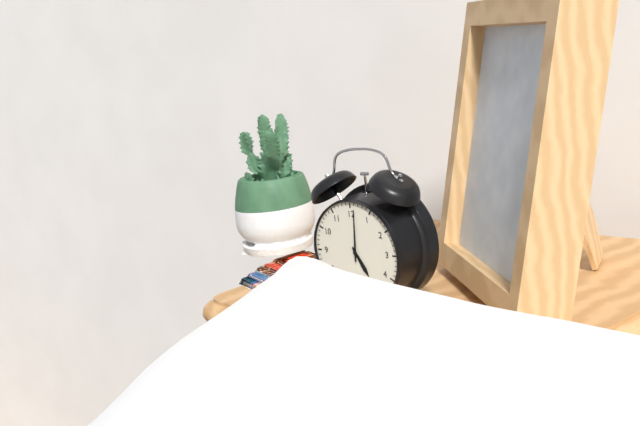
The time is h=5 m=1
